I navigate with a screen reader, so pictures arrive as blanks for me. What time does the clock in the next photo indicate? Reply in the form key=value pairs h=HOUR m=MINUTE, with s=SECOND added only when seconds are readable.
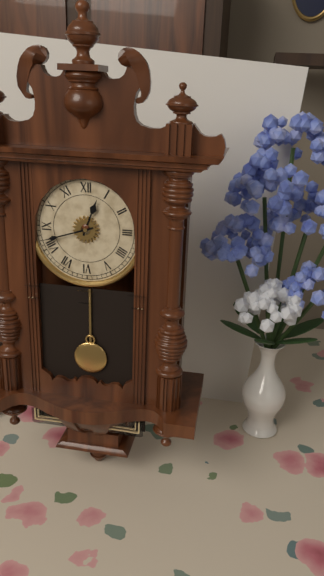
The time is h=12 m=42
